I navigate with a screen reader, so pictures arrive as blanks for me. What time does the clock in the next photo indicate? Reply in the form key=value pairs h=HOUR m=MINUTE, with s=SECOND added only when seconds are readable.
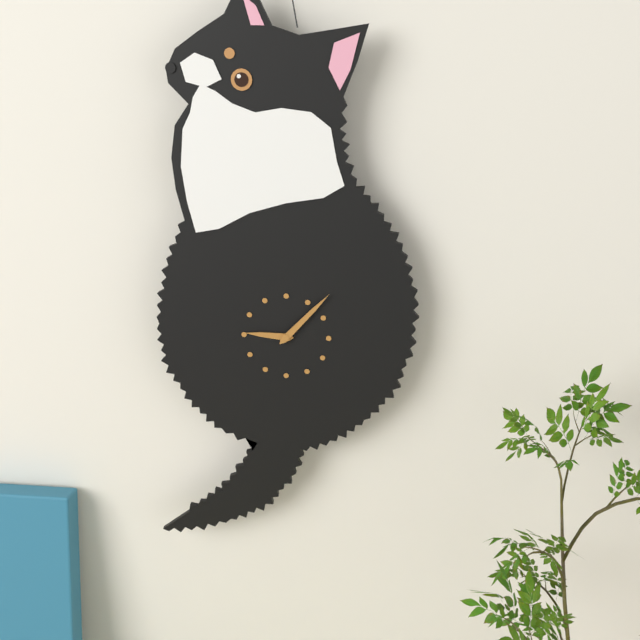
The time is h=9 m=7
